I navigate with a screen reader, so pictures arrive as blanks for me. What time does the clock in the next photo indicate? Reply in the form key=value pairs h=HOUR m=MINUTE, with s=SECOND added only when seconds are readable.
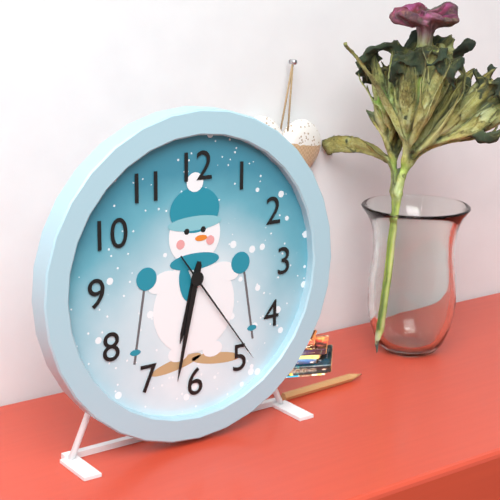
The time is h=6 m=32 s=24
